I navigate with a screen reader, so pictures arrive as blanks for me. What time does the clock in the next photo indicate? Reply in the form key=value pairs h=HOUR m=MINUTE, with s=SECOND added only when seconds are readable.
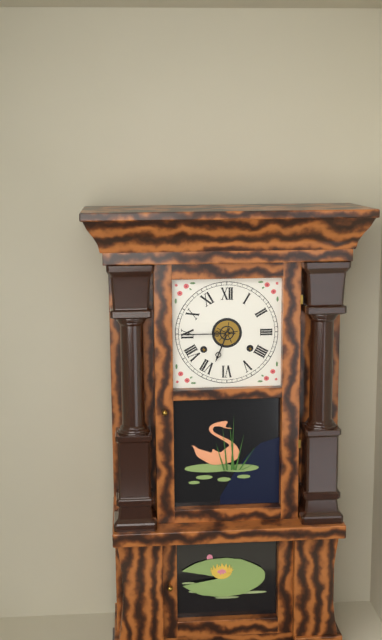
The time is h=6 m=45
